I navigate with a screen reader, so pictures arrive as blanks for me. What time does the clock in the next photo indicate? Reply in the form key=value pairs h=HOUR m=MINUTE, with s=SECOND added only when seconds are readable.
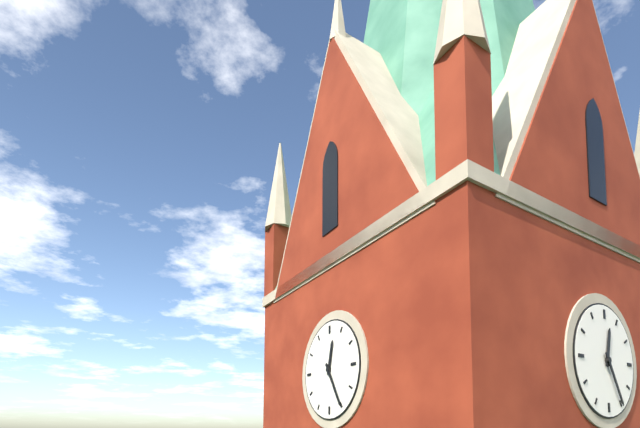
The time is h=12 m=25
